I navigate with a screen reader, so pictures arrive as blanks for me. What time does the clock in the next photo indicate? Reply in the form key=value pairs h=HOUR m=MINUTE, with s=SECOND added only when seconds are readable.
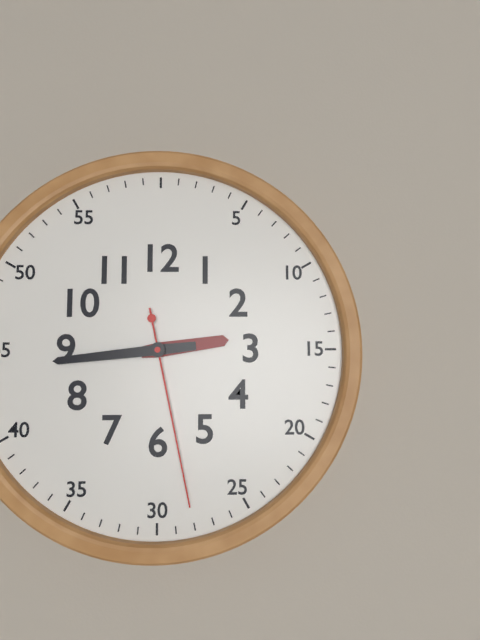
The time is h=2 m=44 s=28
